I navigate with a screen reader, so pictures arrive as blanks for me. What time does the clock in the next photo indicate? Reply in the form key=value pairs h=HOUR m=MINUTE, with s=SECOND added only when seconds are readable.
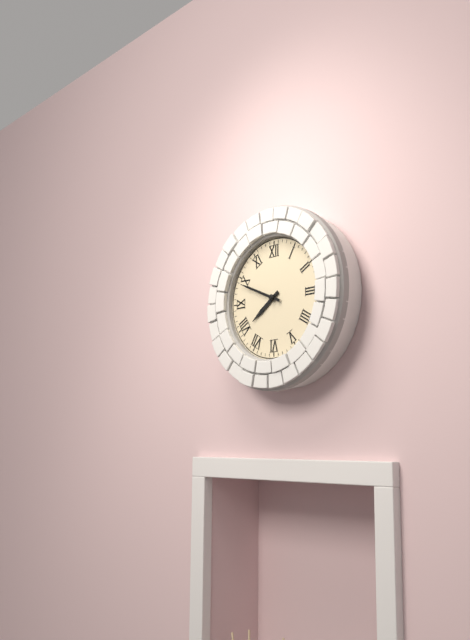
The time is h=7 m=49
